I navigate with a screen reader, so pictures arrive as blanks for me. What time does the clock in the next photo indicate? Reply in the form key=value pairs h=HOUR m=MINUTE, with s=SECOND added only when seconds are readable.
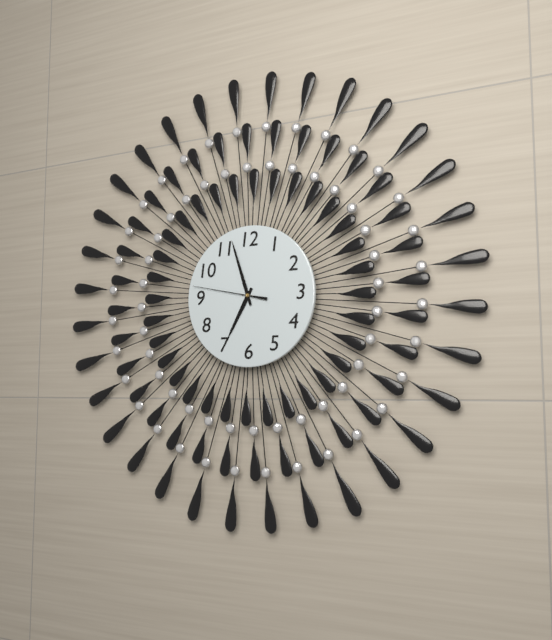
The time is h=6 m=57 s=47
